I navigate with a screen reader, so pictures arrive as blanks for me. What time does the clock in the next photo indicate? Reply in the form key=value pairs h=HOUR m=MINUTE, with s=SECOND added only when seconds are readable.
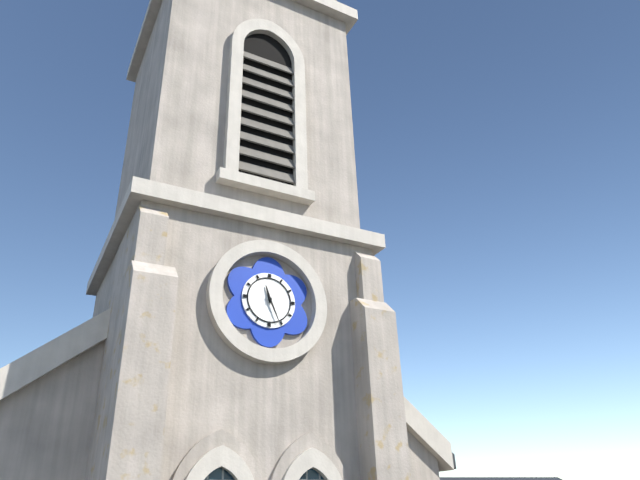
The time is h=11 m=26
